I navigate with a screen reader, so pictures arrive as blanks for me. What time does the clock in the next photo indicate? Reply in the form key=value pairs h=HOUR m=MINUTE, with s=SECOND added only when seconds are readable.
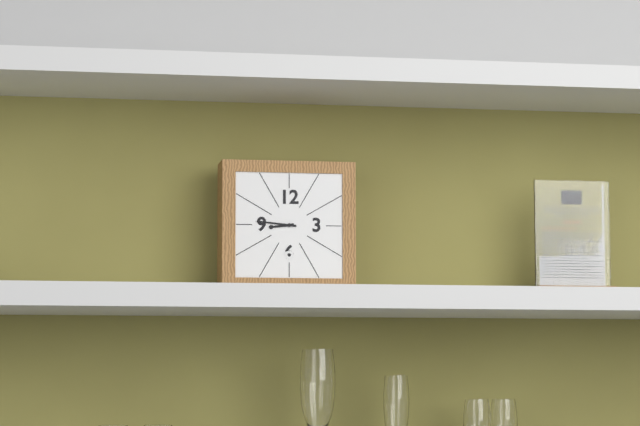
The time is h=8 m=46
